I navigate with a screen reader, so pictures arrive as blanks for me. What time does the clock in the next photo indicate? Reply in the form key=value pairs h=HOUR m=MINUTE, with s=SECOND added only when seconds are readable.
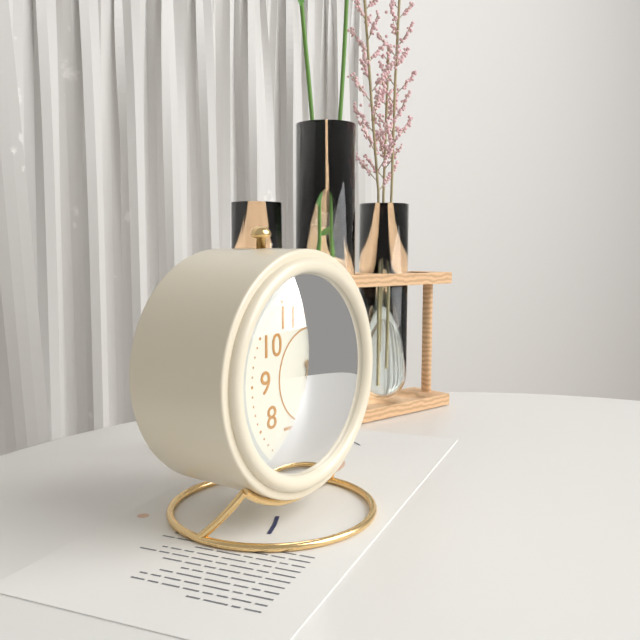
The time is h=5 m=26 s=2
